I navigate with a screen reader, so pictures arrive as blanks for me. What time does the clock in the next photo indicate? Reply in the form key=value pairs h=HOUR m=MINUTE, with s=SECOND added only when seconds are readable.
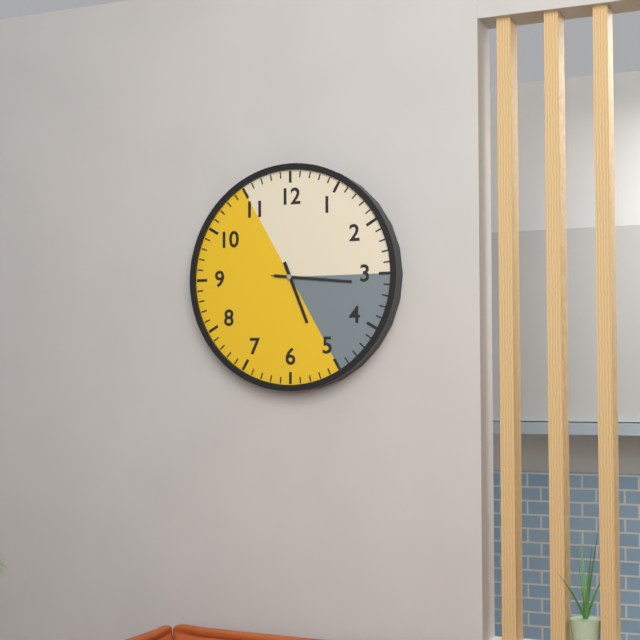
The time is h=5 m=16 s=16
